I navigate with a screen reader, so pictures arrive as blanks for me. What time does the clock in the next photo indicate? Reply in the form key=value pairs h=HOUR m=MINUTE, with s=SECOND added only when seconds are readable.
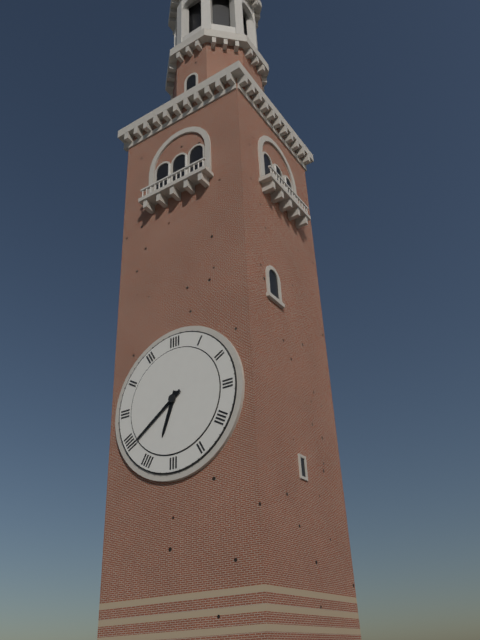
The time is h=6 m=39
